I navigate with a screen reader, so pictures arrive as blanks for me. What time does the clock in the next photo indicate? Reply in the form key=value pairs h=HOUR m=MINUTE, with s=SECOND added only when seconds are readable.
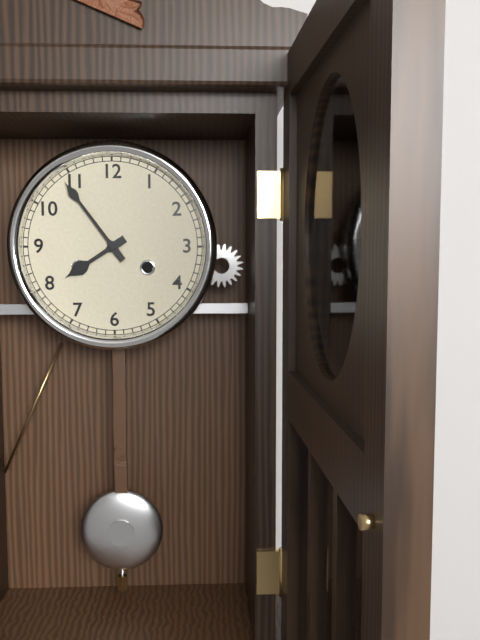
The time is h=7 m=54
